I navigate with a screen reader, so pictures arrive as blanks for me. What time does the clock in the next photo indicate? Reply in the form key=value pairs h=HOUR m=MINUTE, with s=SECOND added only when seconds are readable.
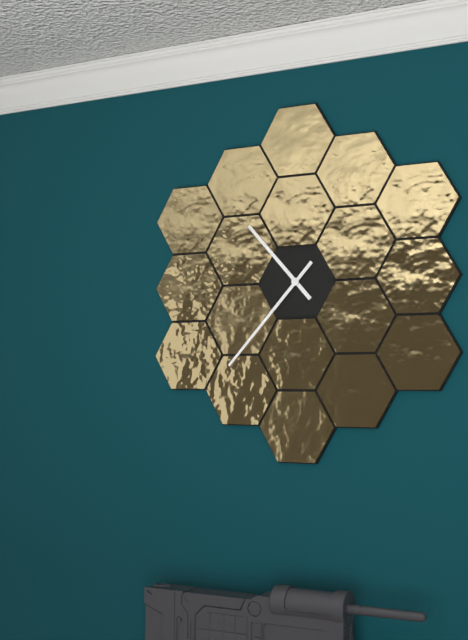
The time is h=10 m=37
